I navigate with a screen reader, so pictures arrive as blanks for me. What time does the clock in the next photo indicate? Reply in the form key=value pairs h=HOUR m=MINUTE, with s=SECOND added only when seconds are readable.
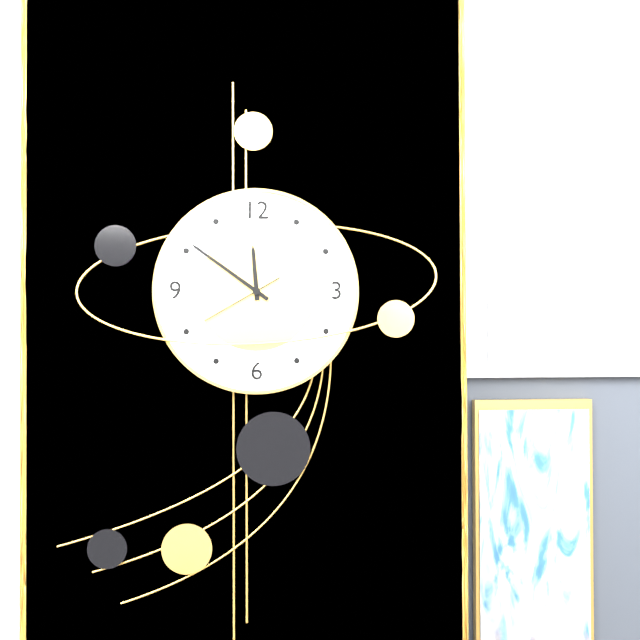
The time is h=11 m=51 s=40
